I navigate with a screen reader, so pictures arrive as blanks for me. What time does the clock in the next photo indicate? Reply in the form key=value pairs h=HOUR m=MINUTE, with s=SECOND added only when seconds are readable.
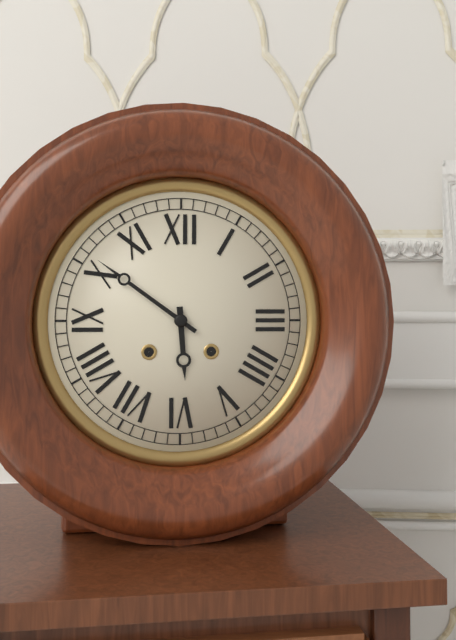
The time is h=5 m=51
